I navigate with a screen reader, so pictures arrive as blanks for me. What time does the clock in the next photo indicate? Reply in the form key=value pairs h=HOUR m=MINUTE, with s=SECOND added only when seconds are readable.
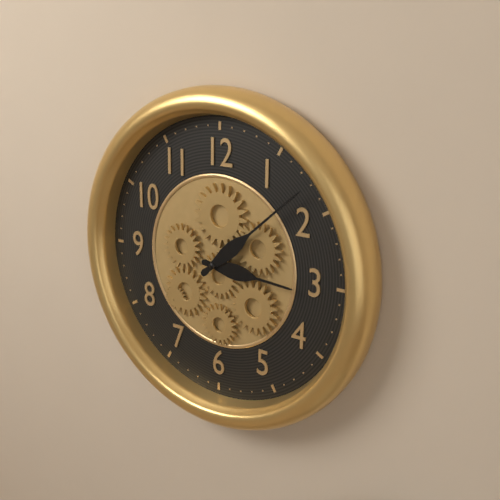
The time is h=3 m=8
